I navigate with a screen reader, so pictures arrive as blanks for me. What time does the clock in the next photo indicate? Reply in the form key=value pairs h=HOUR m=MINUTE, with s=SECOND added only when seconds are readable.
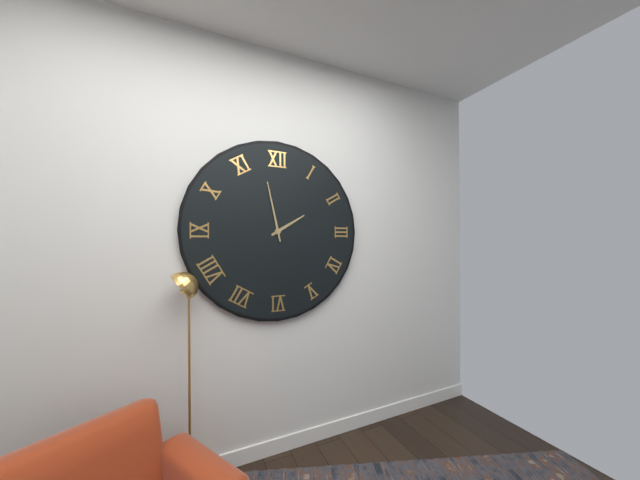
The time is h=1 m=58
